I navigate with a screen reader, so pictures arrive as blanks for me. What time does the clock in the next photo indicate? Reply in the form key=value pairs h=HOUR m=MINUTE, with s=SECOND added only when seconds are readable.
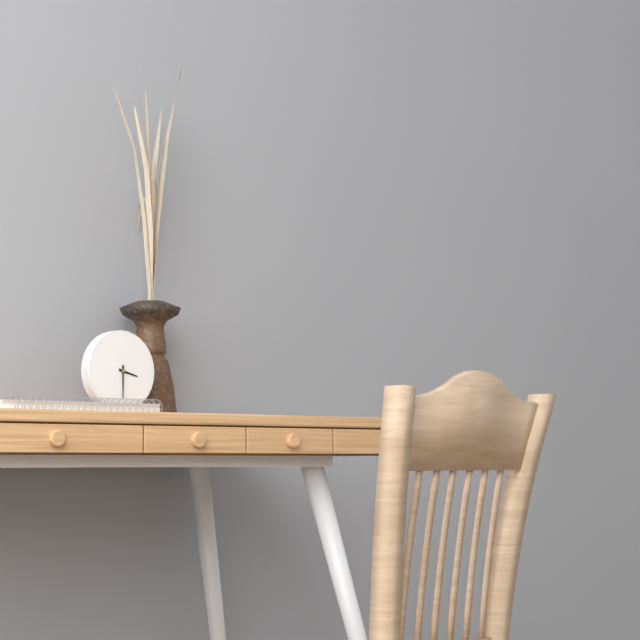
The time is h=3 m=30
